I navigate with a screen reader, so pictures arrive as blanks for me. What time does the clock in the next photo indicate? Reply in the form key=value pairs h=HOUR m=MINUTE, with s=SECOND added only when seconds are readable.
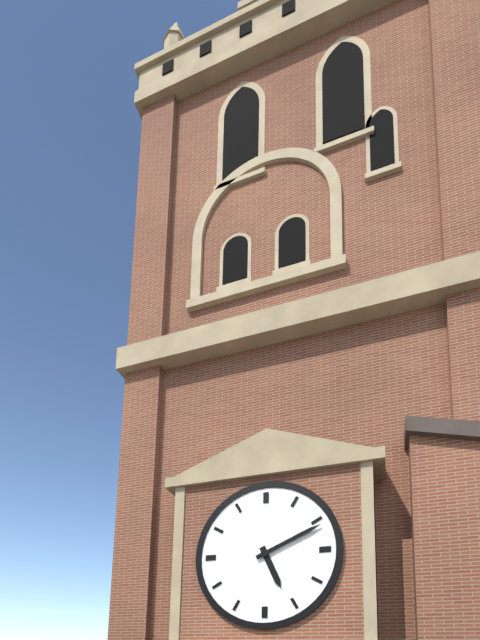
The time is h=5 m=11
